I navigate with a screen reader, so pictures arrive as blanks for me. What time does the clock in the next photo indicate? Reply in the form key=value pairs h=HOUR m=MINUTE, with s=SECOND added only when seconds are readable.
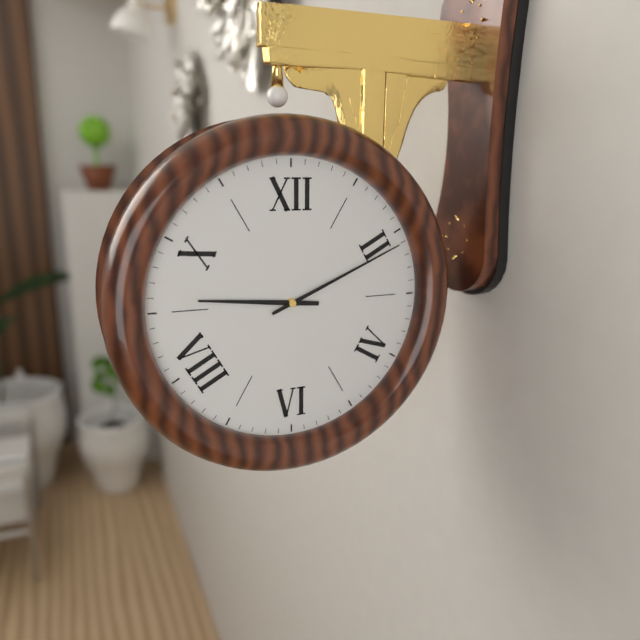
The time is h=9 m=11
